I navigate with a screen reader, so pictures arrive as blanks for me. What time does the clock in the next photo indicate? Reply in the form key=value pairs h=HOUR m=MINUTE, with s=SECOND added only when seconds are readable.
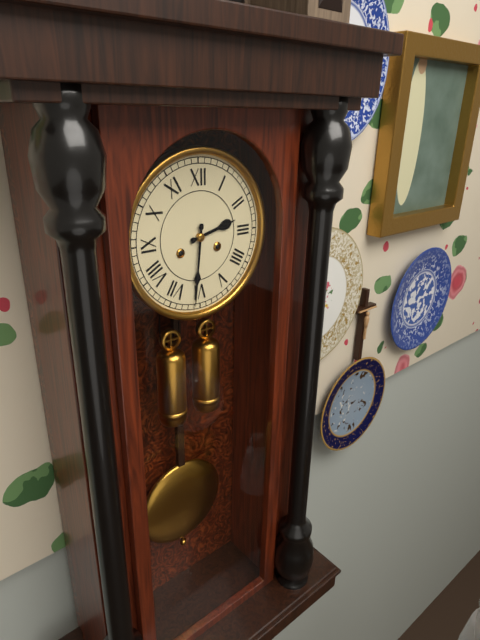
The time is h=2 m=31
